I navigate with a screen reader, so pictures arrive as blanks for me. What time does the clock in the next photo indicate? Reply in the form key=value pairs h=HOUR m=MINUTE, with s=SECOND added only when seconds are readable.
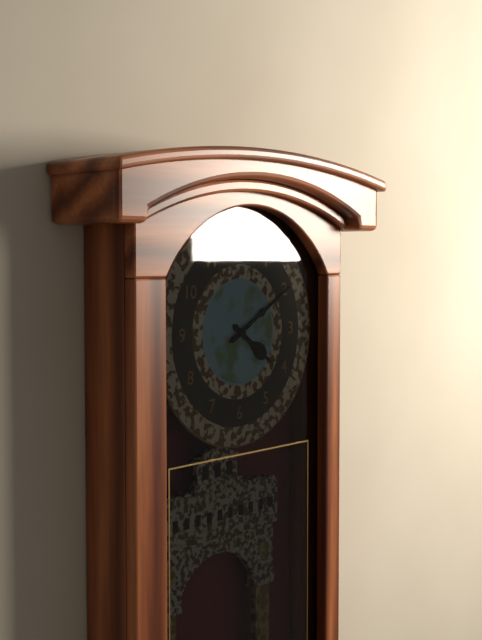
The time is h=4 m=10
